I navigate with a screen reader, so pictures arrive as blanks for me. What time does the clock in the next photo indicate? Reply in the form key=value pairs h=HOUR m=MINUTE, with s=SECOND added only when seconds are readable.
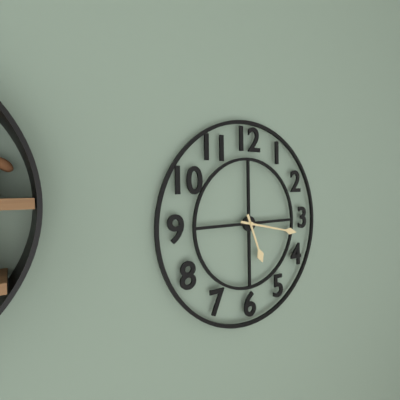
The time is h=5 m=17
